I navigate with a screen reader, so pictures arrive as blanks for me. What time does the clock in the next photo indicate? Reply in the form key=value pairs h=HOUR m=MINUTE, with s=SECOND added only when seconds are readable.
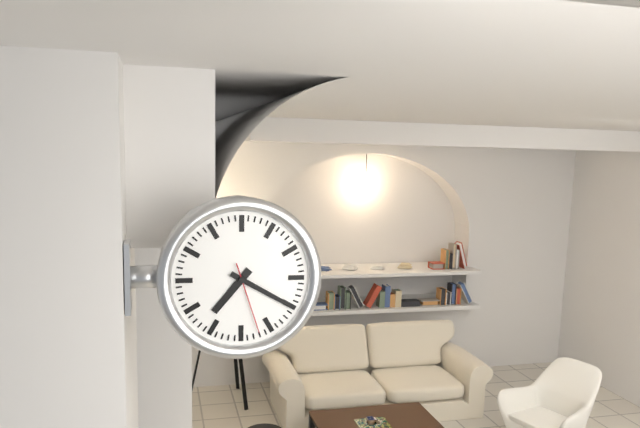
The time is h=7 m=20 s=27
